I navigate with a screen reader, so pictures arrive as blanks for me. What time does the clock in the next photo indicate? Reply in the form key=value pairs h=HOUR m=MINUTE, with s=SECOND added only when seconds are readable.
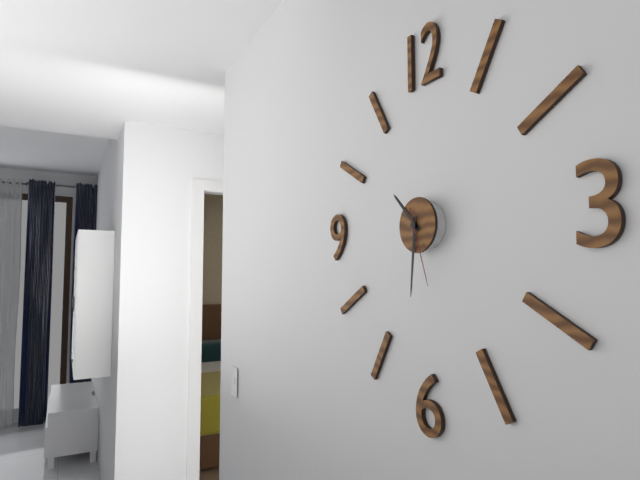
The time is h=10 m=31 s=27
